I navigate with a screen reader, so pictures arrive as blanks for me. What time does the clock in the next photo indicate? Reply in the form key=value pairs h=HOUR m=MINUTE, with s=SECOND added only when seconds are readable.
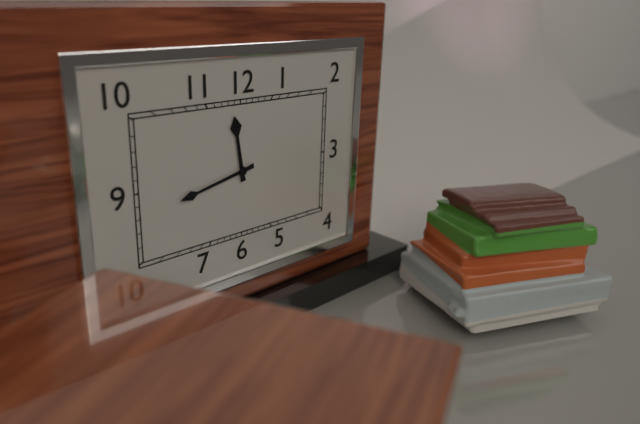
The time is h=11 m=43
